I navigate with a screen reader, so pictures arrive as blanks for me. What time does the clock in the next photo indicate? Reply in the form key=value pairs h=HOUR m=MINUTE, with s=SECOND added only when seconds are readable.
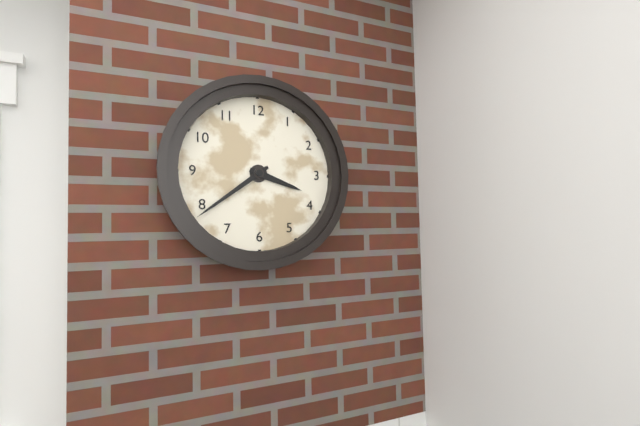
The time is h=3 m=39
